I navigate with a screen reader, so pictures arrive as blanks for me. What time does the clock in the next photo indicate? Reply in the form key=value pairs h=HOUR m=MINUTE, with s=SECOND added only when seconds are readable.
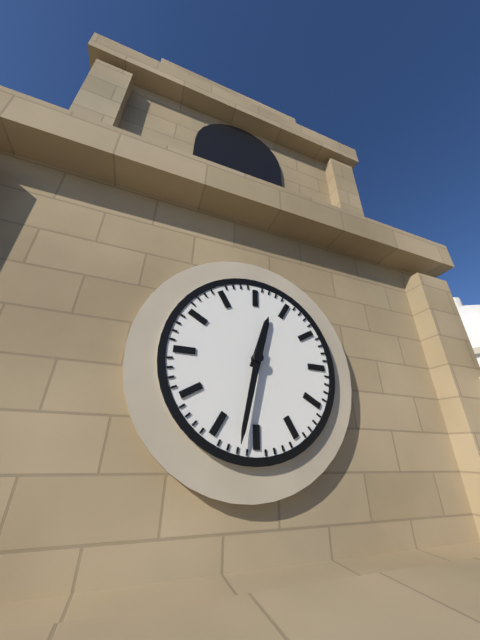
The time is h=12 m=32
